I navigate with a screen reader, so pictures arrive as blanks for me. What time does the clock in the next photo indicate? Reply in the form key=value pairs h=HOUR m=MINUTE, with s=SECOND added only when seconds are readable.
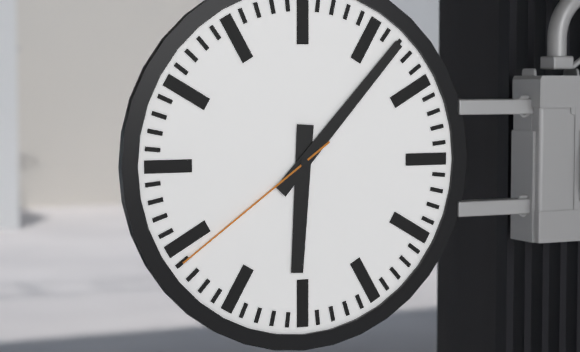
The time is h=6 m=7 s=39
